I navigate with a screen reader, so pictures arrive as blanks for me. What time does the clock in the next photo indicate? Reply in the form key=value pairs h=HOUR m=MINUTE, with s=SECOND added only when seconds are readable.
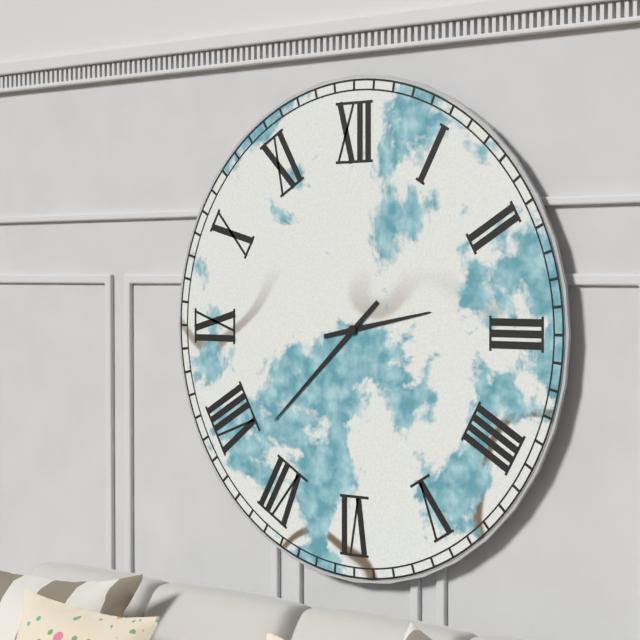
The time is h=2 m=38
